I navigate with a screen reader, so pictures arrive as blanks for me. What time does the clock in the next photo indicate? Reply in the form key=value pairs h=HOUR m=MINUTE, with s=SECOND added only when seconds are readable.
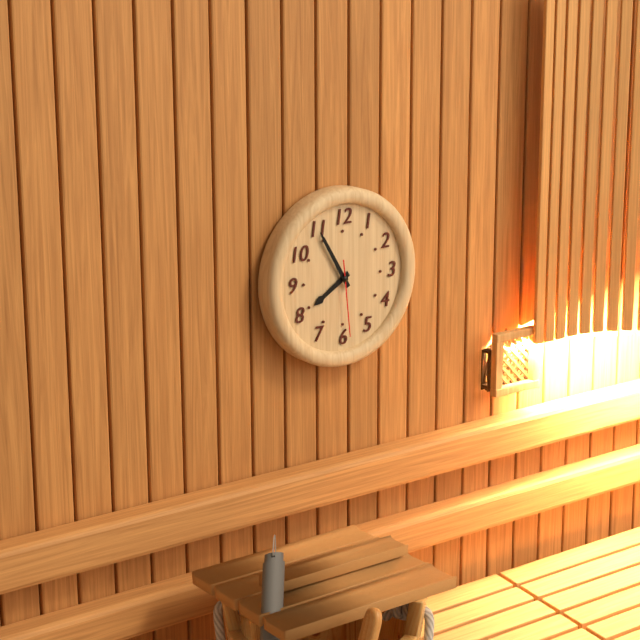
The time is h=7 m=55 s=29
